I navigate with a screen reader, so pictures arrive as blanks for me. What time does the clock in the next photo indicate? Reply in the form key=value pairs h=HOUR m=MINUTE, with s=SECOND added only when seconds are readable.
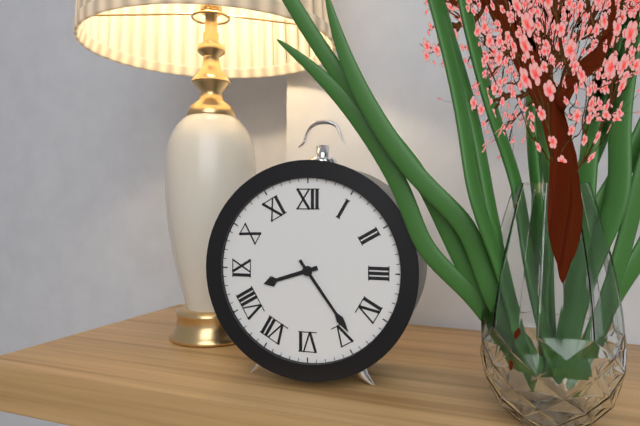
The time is h=8 m=24
